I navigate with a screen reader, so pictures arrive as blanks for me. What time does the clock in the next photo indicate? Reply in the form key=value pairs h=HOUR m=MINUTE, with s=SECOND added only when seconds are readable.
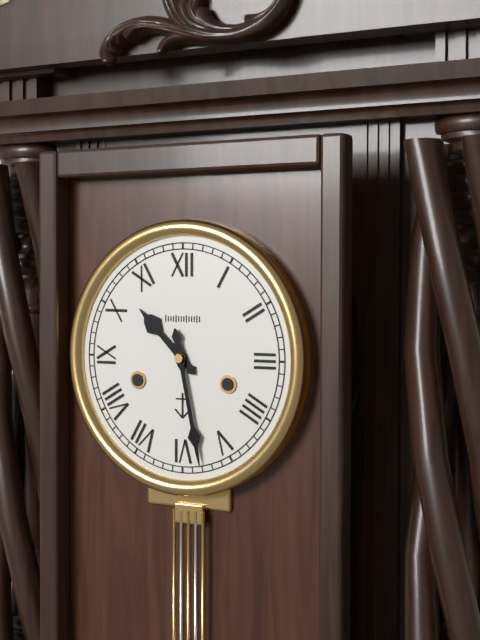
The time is h=10 m=28
